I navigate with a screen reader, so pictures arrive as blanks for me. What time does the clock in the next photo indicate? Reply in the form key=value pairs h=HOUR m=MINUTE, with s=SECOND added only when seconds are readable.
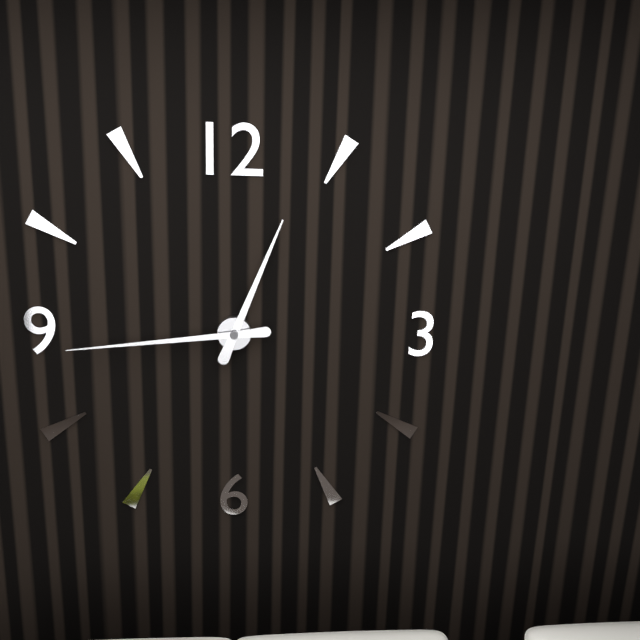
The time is h=12 m=44
